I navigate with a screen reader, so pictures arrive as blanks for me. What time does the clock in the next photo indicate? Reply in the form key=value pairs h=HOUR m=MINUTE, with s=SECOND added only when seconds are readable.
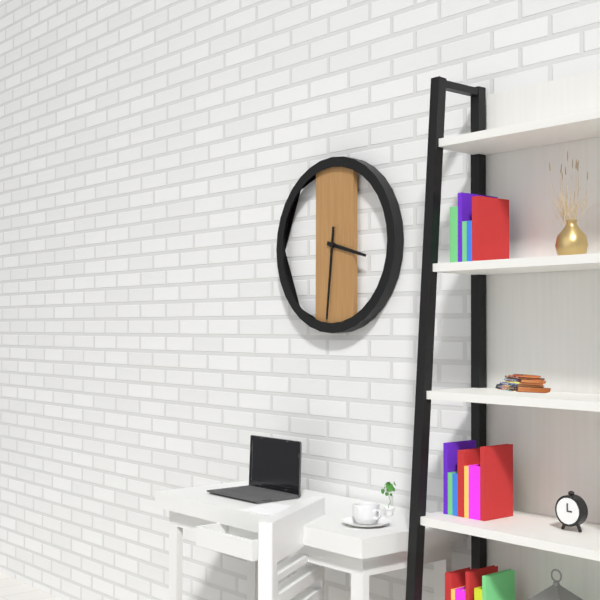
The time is h=3 m=31
